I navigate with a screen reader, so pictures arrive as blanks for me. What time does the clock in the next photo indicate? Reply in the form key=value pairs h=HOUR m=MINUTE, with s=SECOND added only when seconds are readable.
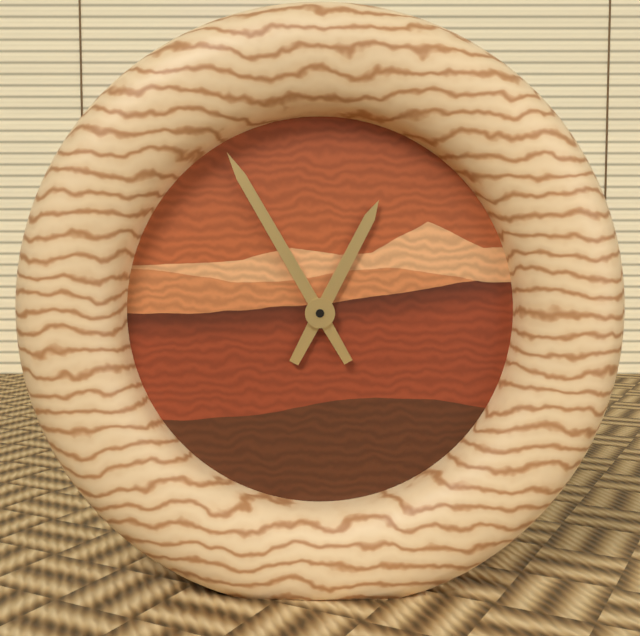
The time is h=12 m=55
